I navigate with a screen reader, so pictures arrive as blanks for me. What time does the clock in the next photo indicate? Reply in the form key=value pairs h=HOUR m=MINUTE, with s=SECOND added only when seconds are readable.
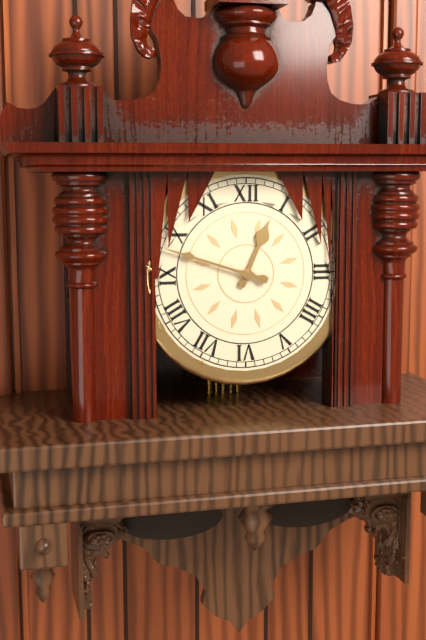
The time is h=12 m=48
